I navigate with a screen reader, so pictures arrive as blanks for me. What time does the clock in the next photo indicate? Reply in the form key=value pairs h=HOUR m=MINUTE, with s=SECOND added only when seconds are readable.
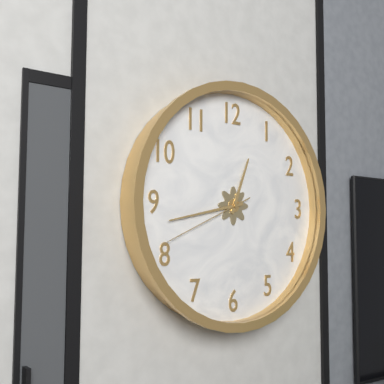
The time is h=12 m=43 s=41
